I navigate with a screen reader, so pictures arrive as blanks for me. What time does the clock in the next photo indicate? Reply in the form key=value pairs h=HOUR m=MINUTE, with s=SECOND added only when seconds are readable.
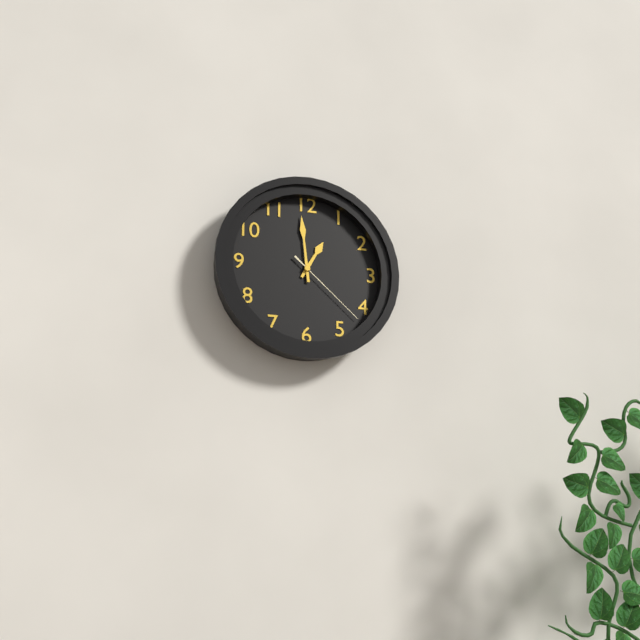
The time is h=12 m=59 s=22
